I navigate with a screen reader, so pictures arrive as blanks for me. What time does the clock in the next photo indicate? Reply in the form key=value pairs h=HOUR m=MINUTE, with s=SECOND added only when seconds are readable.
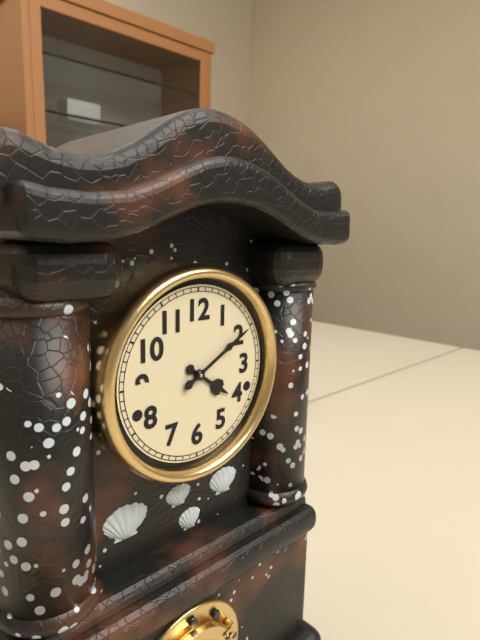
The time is h=4 m=10
